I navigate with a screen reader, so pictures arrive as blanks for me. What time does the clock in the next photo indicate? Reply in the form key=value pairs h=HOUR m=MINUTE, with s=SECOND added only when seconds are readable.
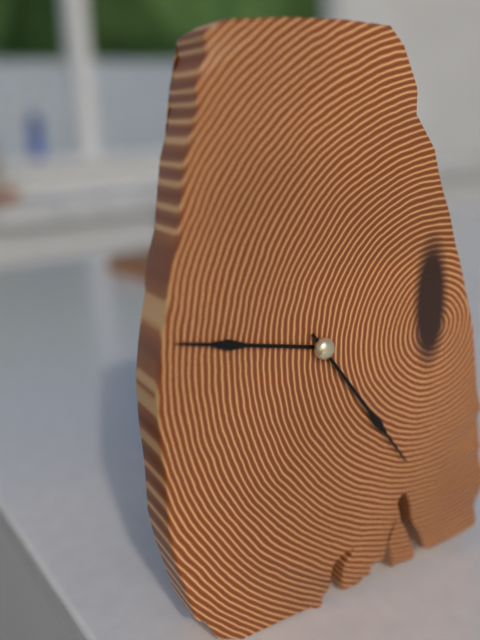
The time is h=9 m=24
